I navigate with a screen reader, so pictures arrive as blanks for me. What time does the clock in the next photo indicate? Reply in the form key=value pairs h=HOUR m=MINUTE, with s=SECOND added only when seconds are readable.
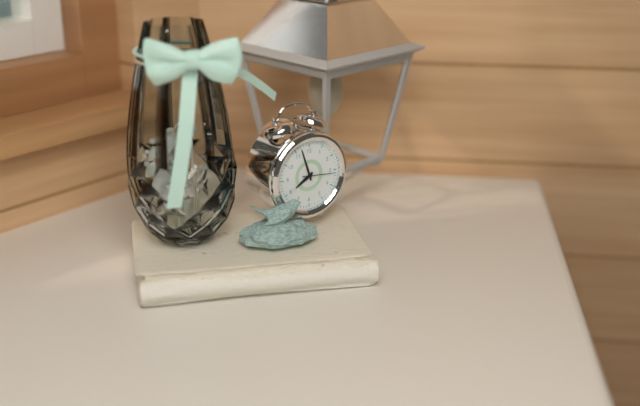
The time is h=7 m=57
